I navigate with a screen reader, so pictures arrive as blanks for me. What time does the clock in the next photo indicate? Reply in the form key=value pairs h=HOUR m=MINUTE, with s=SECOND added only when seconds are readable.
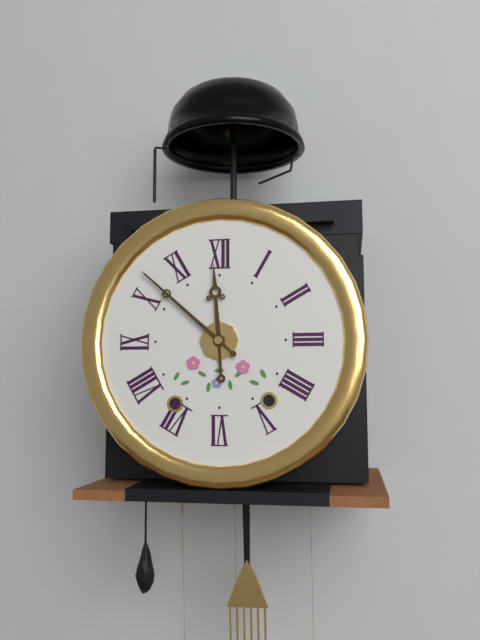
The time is h=11 m=52
